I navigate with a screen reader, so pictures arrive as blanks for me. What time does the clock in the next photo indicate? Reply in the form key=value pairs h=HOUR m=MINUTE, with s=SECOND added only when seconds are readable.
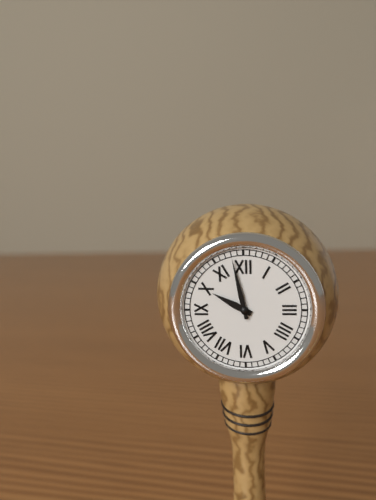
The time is h=9 m=58
